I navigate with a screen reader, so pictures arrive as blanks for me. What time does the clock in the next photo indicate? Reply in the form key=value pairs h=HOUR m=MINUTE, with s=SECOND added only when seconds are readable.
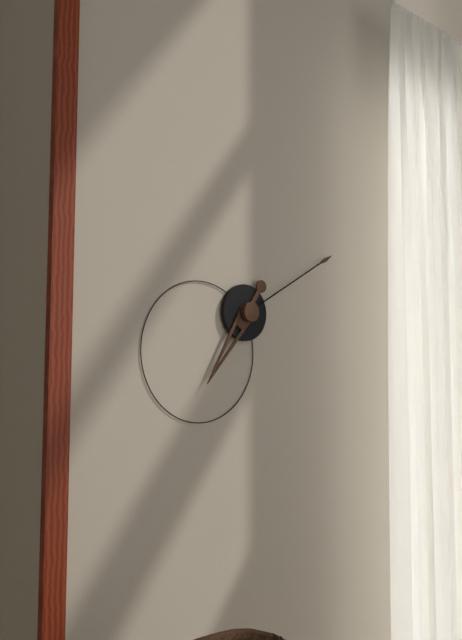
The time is h=7 m=10
